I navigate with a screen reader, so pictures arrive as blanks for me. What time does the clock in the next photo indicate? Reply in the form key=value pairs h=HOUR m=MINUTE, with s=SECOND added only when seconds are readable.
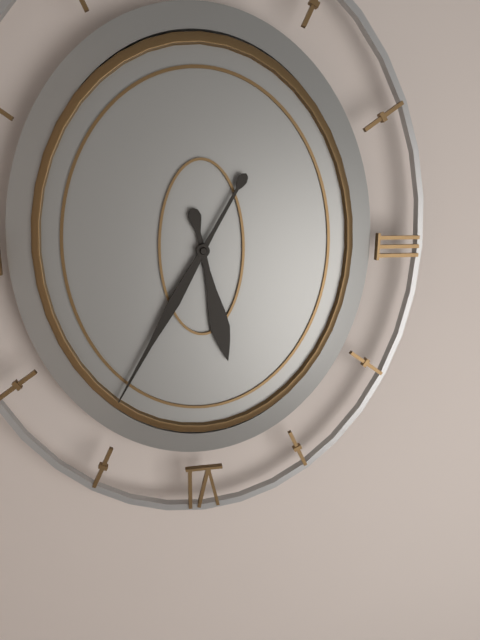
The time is h=5 m=35
